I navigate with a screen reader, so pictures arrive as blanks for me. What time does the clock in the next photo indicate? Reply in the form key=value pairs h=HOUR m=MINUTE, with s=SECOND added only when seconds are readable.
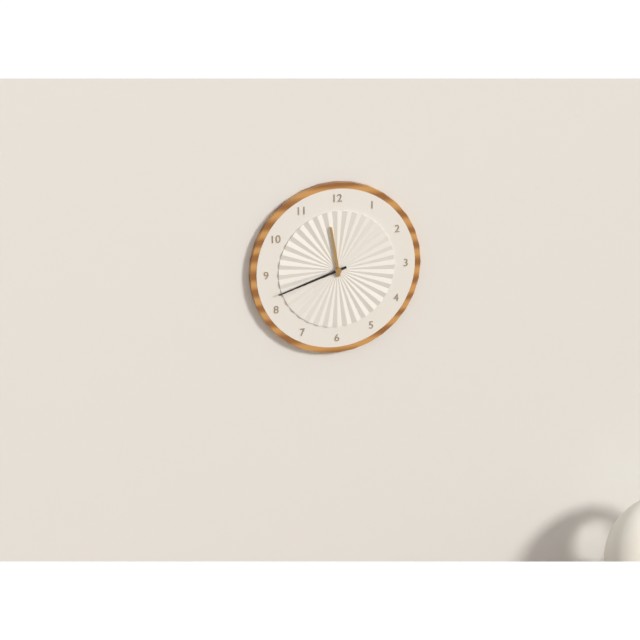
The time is h=11 m=42
